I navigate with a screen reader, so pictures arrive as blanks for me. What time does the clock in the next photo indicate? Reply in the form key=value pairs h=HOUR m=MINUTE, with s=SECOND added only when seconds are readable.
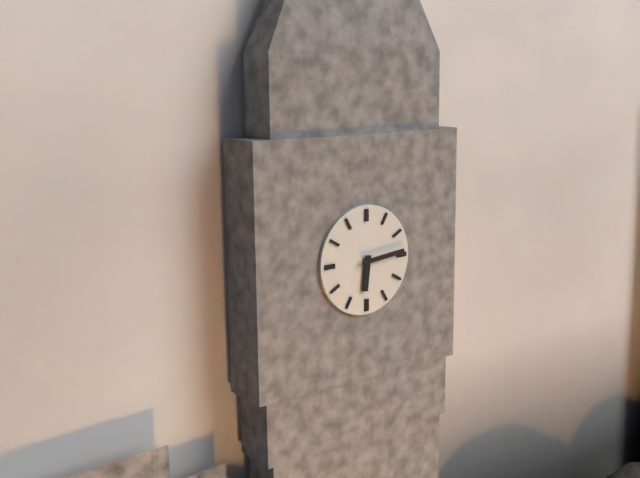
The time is h=6 m=14
